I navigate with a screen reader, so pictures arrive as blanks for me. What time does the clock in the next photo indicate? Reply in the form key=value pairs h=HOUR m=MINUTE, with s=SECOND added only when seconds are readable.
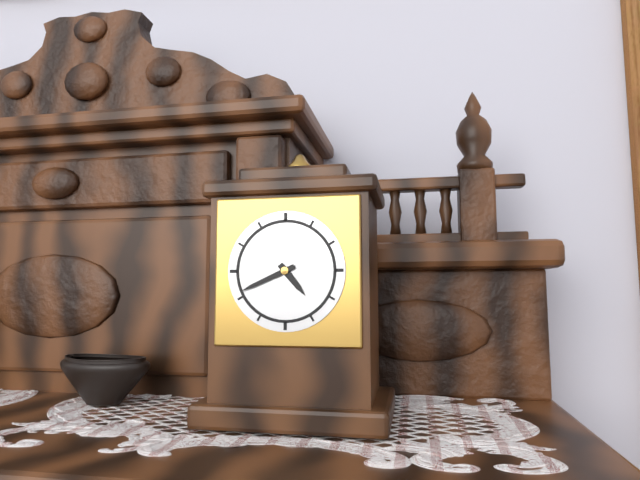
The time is h=4 m=41
